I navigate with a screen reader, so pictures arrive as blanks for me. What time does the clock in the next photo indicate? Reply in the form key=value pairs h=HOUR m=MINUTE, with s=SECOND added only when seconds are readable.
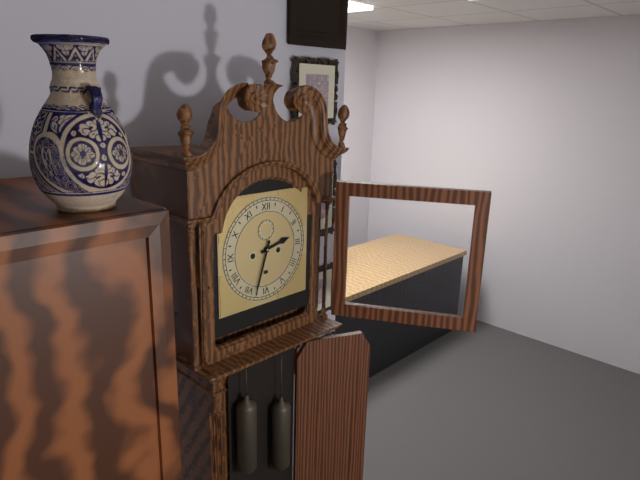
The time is h=2 m=33
